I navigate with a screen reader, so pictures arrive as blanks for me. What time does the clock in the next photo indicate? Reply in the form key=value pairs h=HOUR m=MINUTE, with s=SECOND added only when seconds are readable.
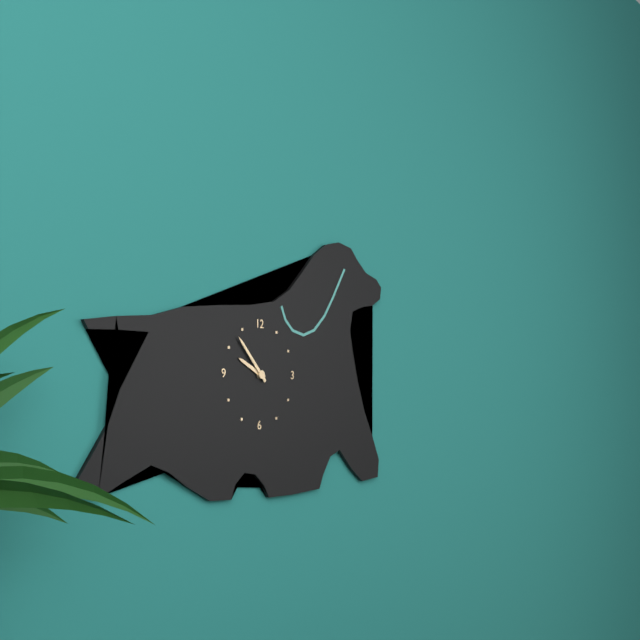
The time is h=9 m=53
